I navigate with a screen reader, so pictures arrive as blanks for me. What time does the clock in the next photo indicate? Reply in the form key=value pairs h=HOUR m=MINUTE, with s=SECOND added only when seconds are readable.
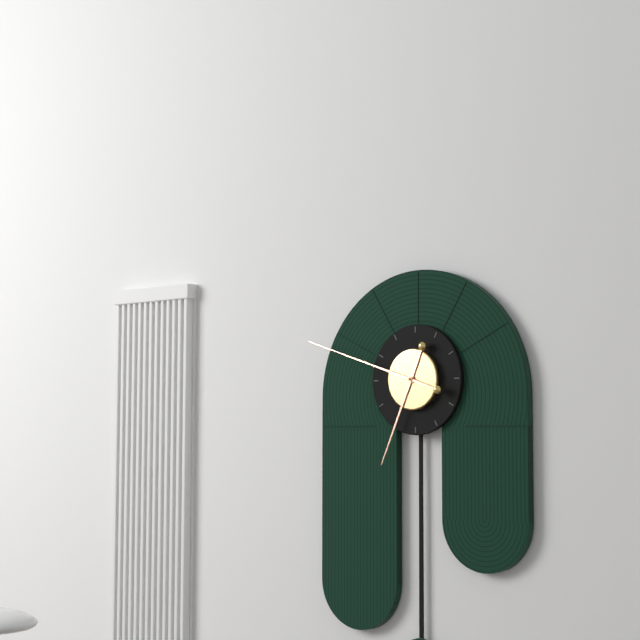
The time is h=6 m=48
